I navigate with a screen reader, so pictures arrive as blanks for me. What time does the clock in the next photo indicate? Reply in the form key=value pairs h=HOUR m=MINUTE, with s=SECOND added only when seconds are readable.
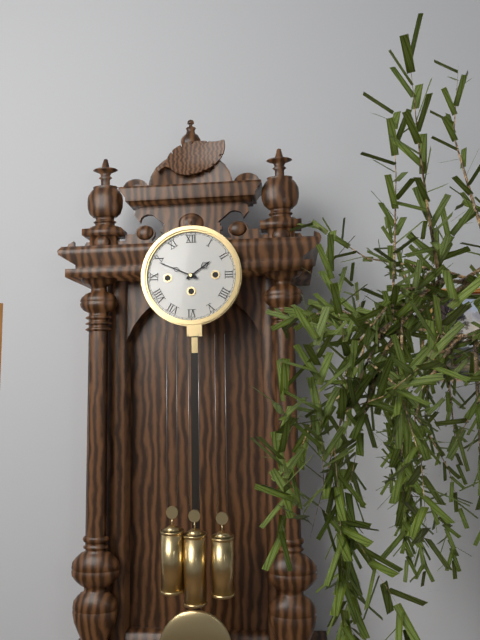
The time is h=1 m=49
